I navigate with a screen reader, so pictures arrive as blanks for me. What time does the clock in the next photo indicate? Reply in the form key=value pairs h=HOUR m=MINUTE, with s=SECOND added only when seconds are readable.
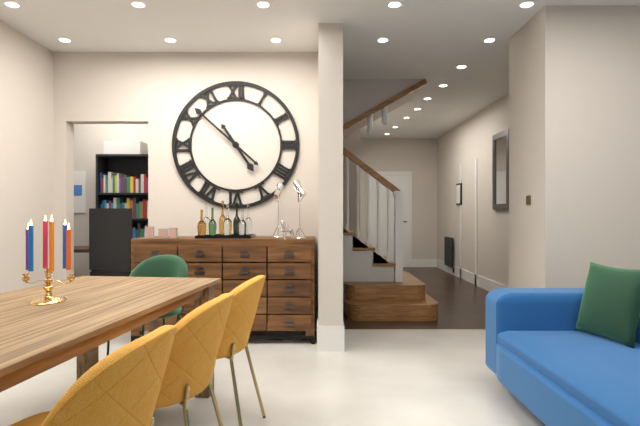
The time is h=4 m=52
